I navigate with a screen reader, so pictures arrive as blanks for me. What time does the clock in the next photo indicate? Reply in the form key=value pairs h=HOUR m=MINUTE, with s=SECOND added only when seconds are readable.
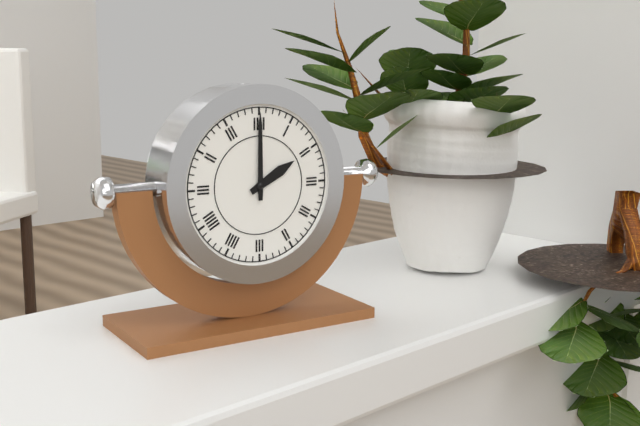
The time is h=2 m=0
